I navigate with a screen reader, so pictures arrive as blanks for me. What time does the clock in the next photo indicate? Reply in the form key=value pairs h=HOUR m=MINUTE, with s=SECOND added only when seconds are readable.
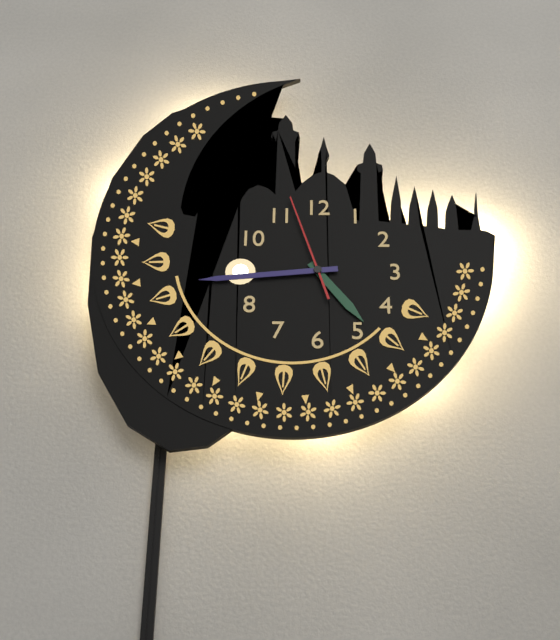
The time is h=4 m=44 s=57
